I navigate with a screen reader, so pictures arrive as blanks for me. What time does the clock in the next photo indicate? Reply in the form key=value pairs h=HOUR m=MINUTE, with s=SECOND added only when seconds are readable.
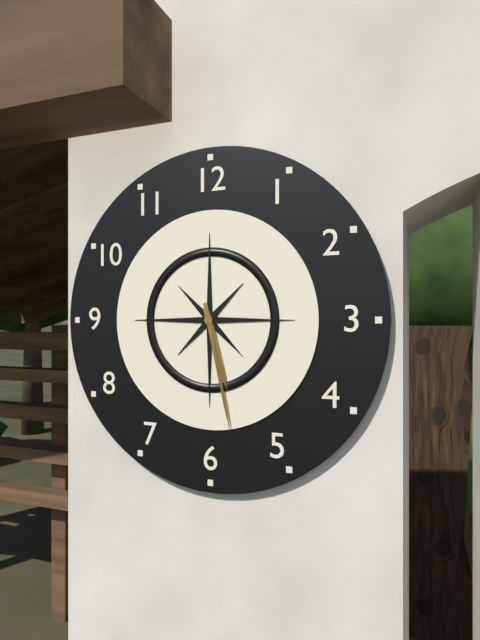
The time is h=5 m=28
